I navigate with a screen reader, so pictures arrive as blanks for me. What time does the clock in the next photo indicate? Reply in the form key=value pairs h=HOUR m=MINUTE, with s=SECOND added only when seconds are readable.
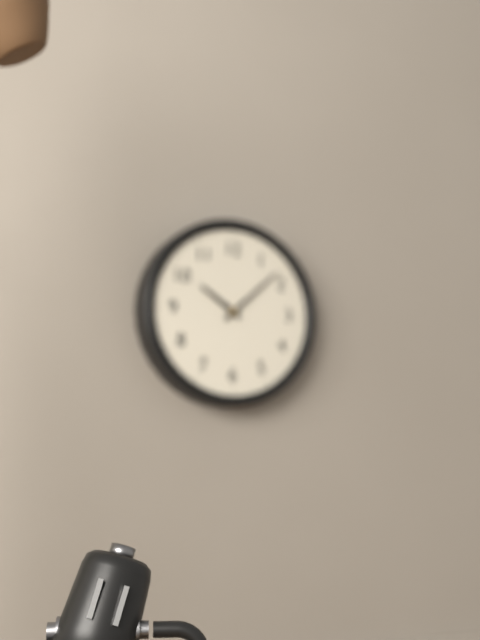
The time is h=10 m=8
